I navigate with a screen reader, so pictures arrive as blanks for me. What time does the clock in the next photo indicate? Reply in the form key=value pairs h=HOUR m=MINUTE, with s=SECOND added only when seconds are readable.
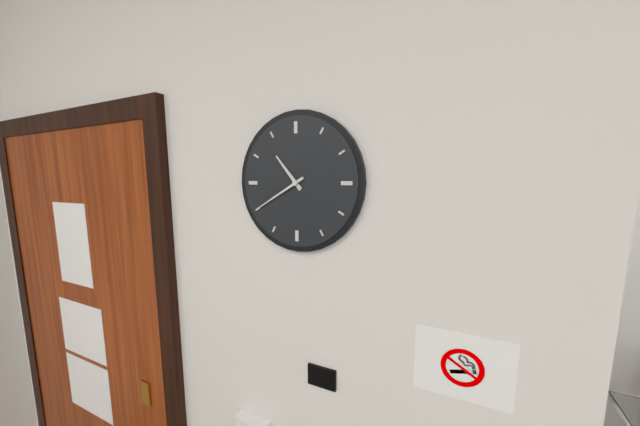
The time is h=10 m=40
